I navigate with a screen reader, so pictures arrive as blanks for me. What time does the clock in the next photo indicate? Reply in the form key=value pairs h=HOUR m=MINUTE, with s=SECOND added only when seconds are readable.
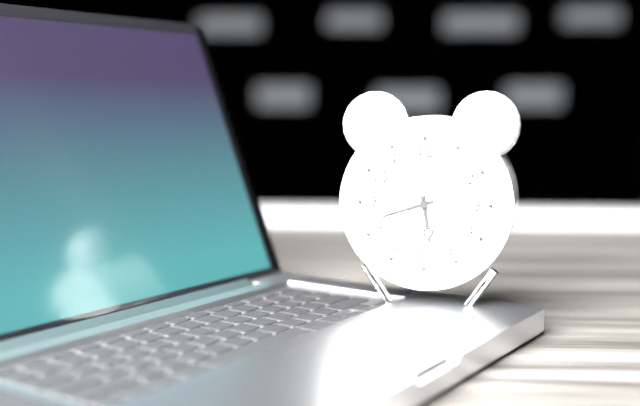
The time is h=5 m=42 s=6
